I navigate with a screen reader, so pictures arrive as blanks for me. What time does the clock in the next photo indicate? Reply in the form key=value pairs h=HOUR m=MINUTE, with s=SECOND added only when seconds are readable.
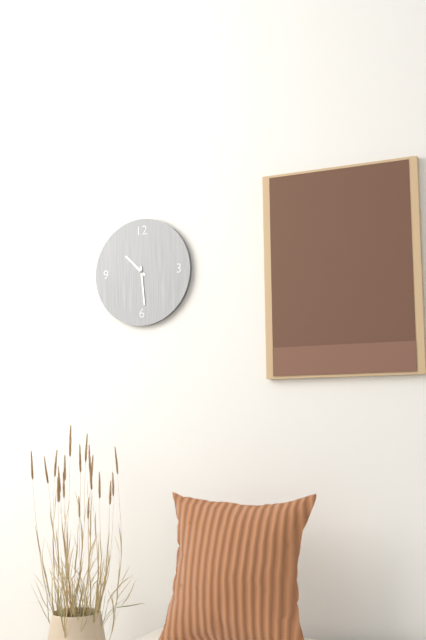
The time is h=10 m=29
